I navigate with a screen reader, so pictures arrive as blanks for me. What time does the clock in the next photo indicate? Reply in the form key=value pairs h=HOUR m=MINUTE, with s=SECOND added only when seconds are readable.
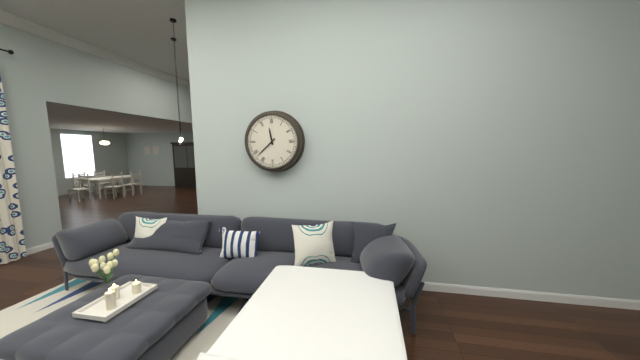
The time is h=11 m=38
